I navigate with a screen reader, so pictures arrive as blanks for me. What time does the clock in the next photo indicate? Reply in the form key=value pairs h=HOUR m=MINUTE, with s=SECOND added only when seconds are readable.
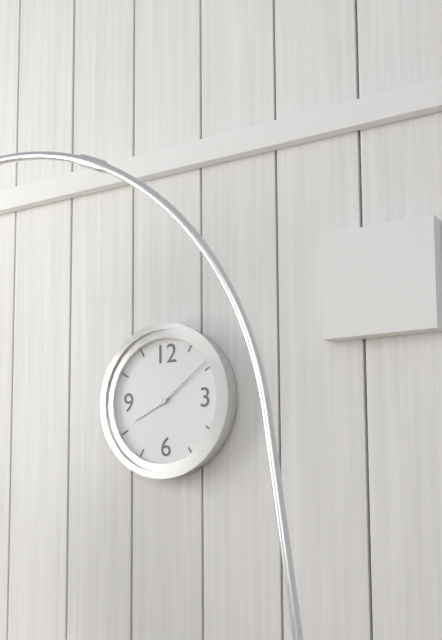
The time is h=8 m=9
